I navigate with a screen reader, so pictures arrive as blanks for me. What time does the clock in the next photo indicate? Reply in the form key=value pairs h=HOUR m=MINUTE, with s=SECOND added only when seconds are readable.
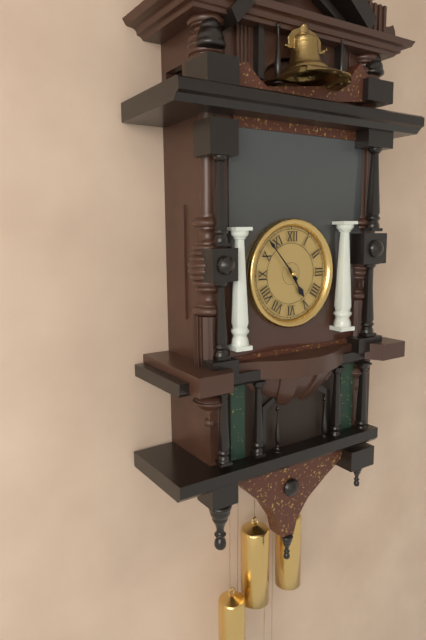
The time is h=4 m=53
